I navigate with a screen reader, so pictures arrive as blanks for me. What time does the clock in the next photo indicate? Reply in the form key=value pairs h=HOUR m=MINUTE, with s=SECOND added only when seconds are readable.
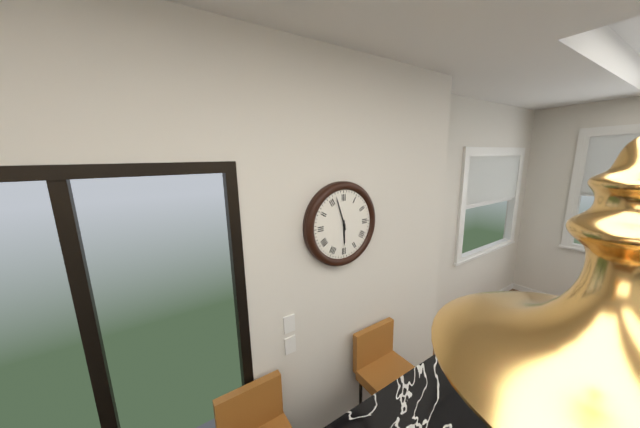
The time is h=5 m=57
